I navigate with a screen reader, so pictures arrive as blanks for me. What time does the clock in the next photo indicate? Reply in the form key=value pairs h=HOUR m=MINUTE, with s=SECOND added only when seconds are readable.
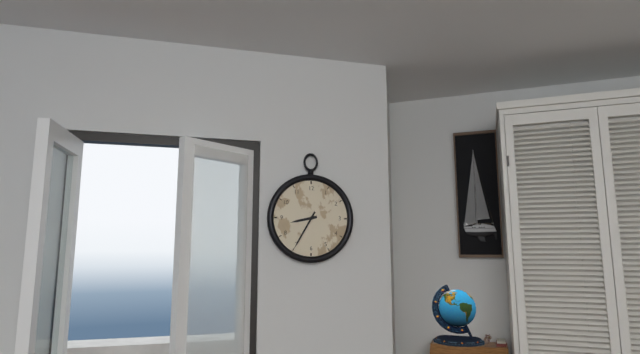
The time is h=8 m=35
